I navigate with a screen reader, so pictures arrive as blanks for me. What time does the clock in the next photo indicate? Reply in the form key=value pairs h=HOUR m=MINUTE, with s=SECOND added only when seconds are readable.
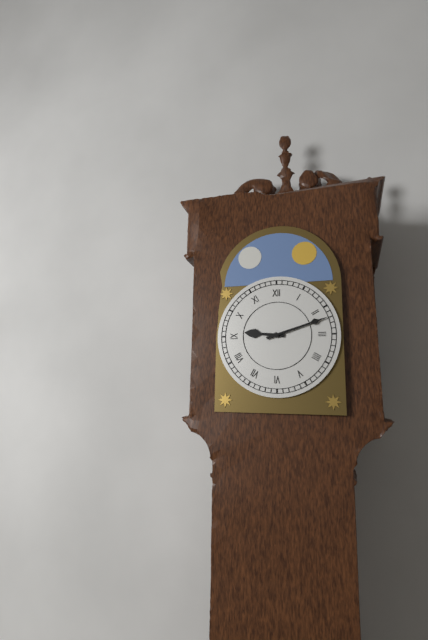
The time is h=9 m=12
